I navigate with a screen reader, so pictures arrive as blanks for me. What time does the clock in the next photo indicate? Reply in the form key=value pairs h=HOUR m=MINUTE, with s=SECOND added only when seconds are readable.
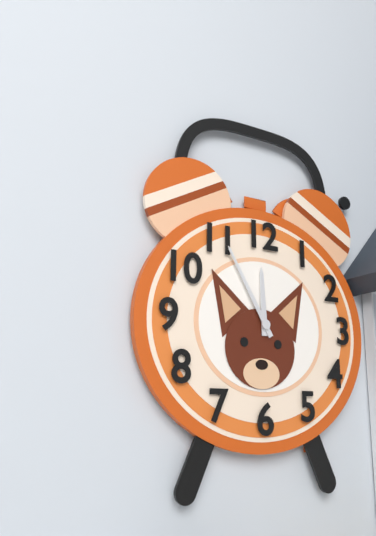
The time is h=11 m=55
